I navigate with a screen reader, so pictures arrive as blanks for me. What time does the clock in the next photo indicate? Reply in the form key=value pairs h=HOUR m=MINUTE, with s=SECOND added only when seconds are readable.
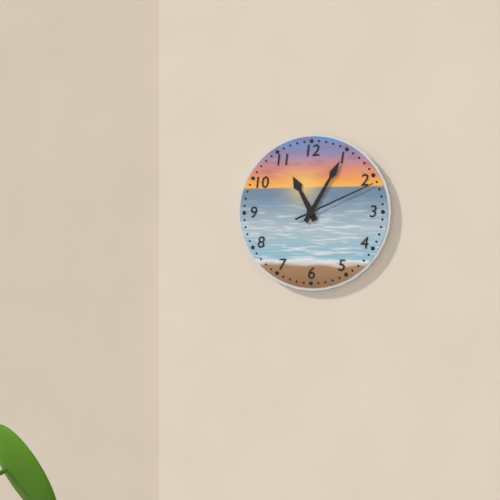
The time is h=11 m=5 s=11
